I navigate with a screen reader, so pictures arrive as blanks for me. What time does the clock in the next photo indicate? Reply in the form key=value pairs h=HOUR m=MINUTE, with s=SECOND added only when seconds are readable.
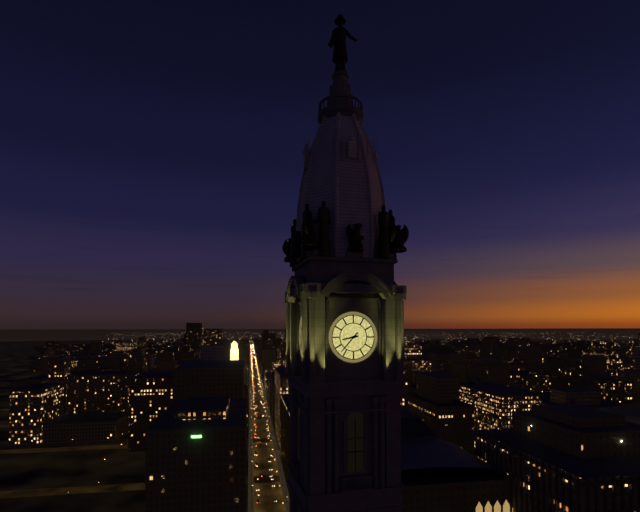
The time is h=8 m=37
